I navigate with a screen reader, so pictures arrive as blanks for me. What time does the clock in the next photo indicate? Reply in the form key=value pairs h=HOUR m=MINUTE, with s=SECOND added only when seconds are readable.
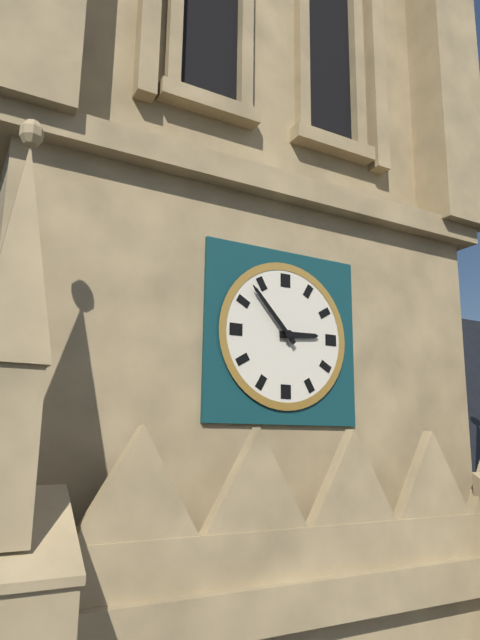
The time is h=2 m=53
